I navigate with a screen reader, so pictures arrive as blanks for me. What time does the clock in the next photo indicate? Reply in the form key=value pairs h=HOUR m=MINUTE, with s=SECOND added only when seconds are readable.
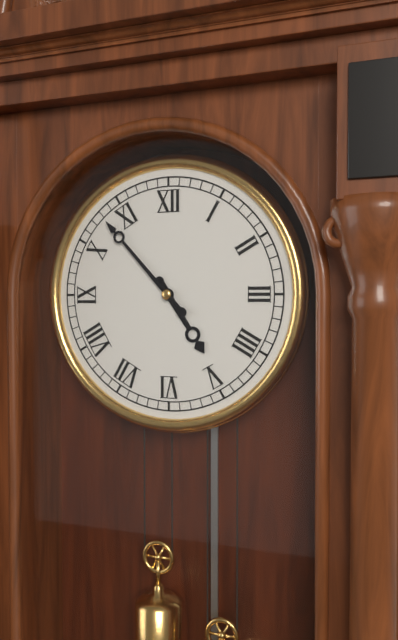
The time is h=4 m=53
